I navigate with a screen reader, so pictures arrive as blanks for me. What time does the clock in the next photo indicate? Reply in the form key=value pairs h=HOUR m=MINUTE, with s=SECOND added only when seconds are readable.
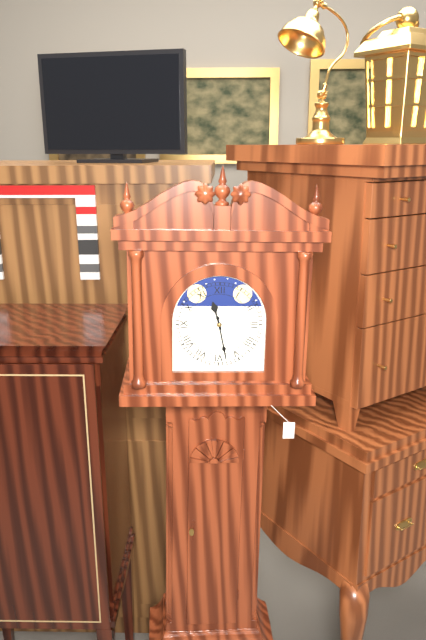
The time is h=11 m=28
